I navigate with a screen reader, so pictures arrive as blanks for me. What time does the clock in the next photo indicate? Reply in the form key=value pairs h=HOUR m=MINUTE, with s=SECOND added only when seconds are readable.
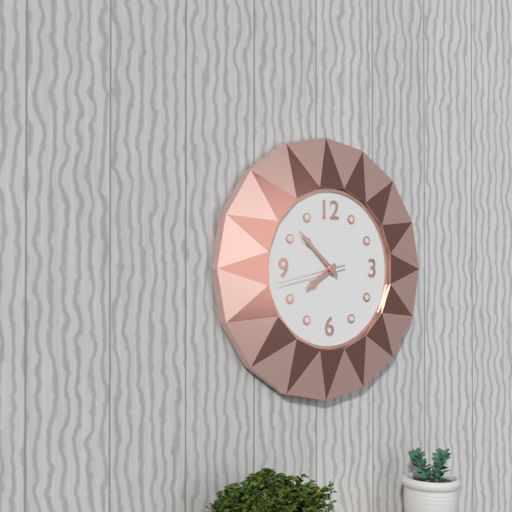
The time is h=7 m=52 s=43
